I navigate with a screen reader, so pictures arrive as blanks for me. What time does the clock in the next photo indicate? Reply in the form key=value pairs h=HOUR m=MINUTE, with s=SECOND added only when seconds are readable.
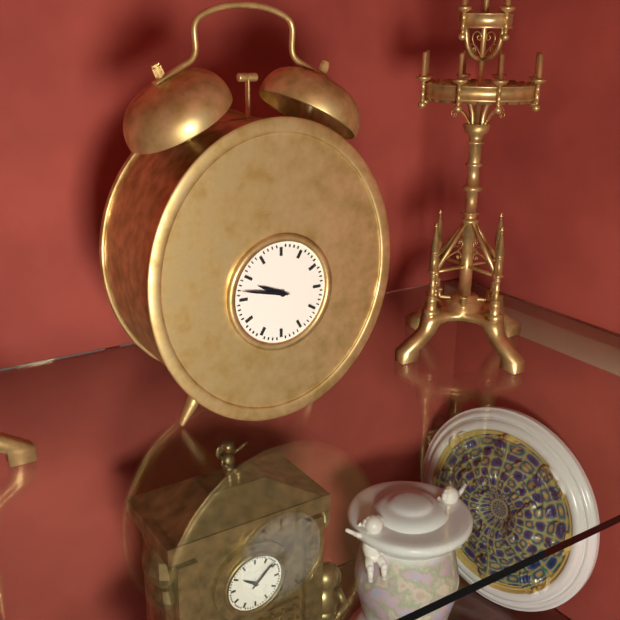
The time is h=9 m=47
